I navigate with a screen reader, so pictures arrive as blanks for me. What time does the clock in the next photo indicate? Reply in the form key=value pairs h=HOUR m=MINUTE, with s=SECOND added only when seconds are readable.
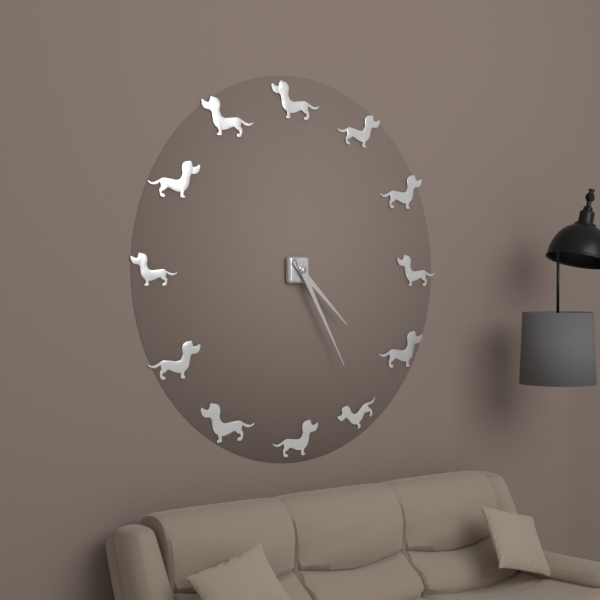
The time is h=4 m=25
